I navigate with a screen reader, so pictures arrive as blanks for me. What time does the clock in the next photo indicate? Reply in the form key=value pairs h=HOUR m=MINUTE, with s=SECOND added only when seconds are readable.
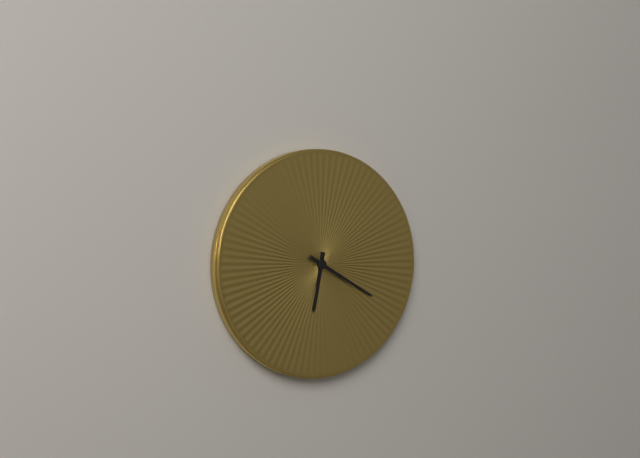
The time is h=6 m=20
